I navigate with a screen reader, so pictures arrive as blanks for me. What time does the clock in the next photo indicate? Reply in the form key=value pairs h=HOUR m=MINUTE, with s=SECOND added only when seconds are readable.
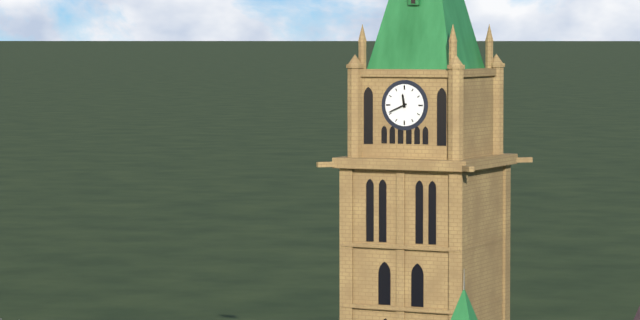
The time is h=11 m=41
